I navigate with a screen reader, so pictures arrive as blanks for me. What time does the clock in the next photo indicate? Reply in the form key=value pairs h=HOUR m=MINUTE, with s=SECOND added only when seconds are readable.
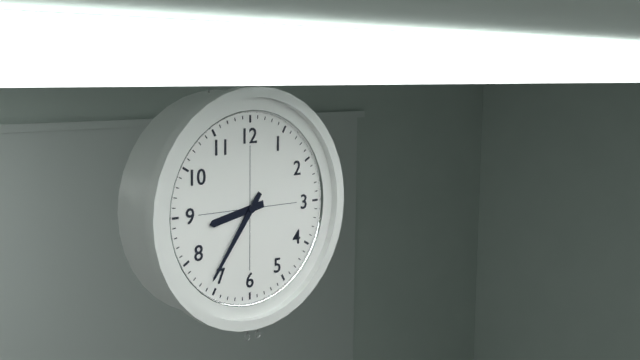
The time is h=8 m=36
